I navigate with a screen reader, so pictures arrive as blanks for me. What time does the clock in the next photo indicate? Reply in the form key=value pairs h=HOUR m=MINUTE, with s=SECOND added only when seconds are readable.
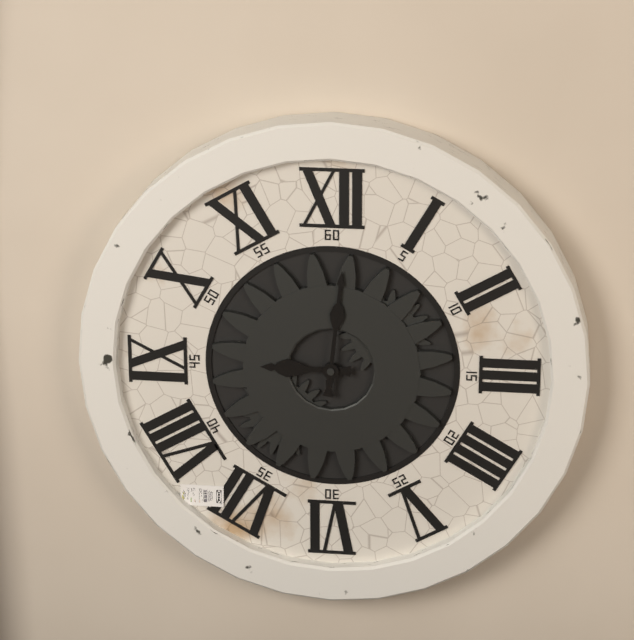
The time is h=9 m=1
